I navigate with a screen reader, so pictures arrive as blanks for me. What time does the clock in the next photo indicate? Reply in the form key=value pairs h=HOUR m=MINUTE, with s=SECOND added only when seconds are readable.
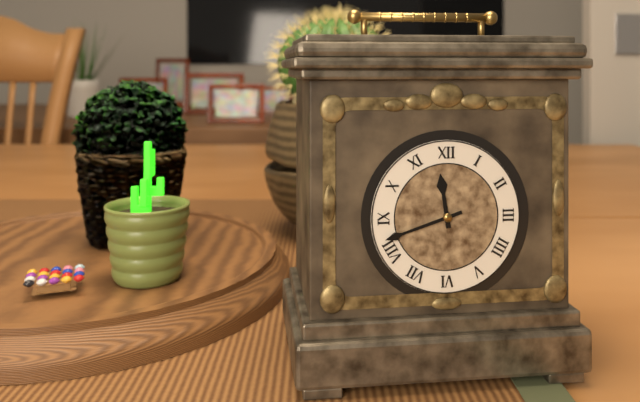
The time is h=11 m=42
